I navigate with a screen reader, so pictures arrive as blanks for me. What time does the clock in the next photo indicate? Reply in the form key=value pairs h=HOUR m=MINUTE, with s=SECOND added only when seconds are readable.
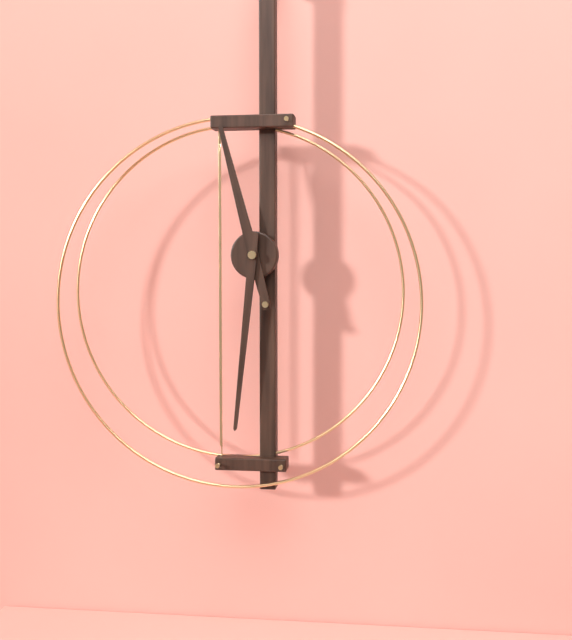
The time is h=11 m=31
